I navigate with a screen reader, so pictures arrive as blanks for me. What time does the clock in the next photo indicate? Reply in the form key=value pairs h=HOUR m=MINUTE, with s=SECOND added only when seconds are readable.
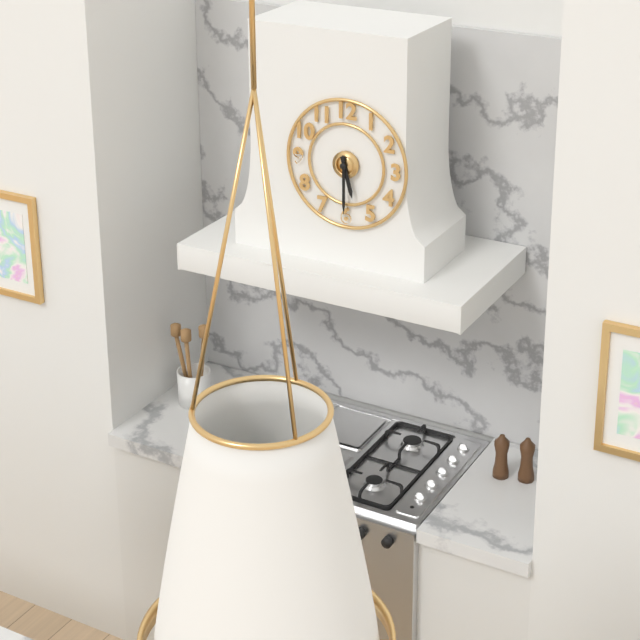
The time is h=5 m=30
